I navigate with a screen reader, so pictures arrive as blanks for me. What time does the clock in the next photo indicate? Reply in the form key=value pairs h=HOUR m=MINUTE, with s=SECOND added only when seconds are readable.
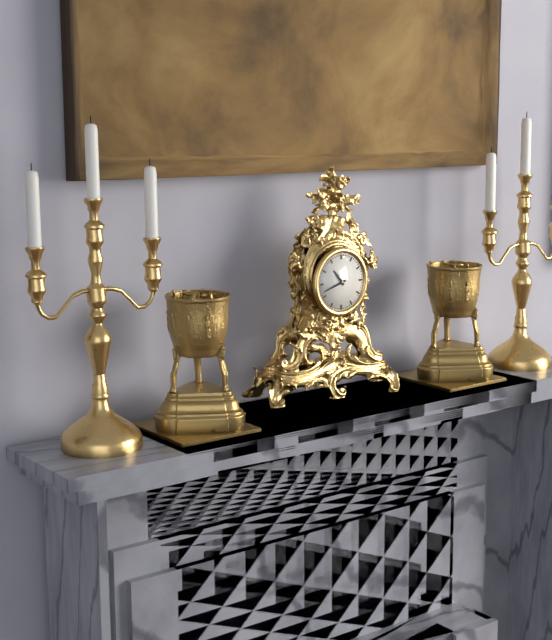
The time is h=10 m=42
